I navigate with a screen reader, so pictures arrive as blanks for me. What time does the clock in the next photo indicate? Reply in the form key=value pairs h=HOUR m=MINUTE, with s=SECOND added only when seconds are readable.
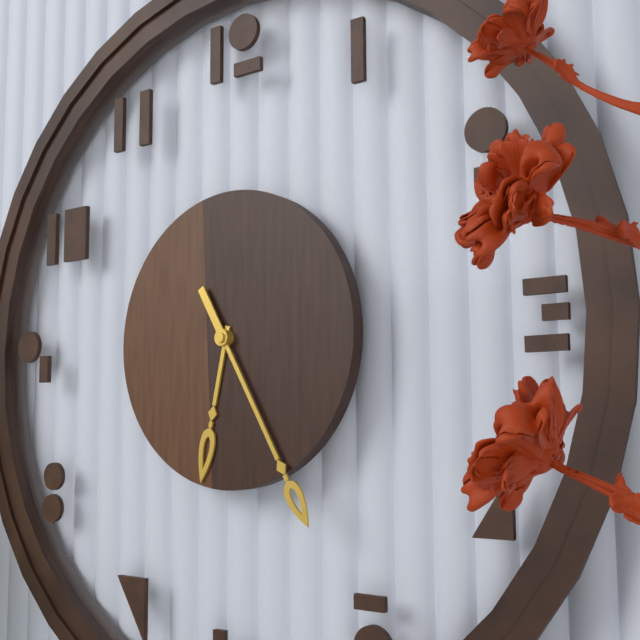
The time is h=6 m=25
